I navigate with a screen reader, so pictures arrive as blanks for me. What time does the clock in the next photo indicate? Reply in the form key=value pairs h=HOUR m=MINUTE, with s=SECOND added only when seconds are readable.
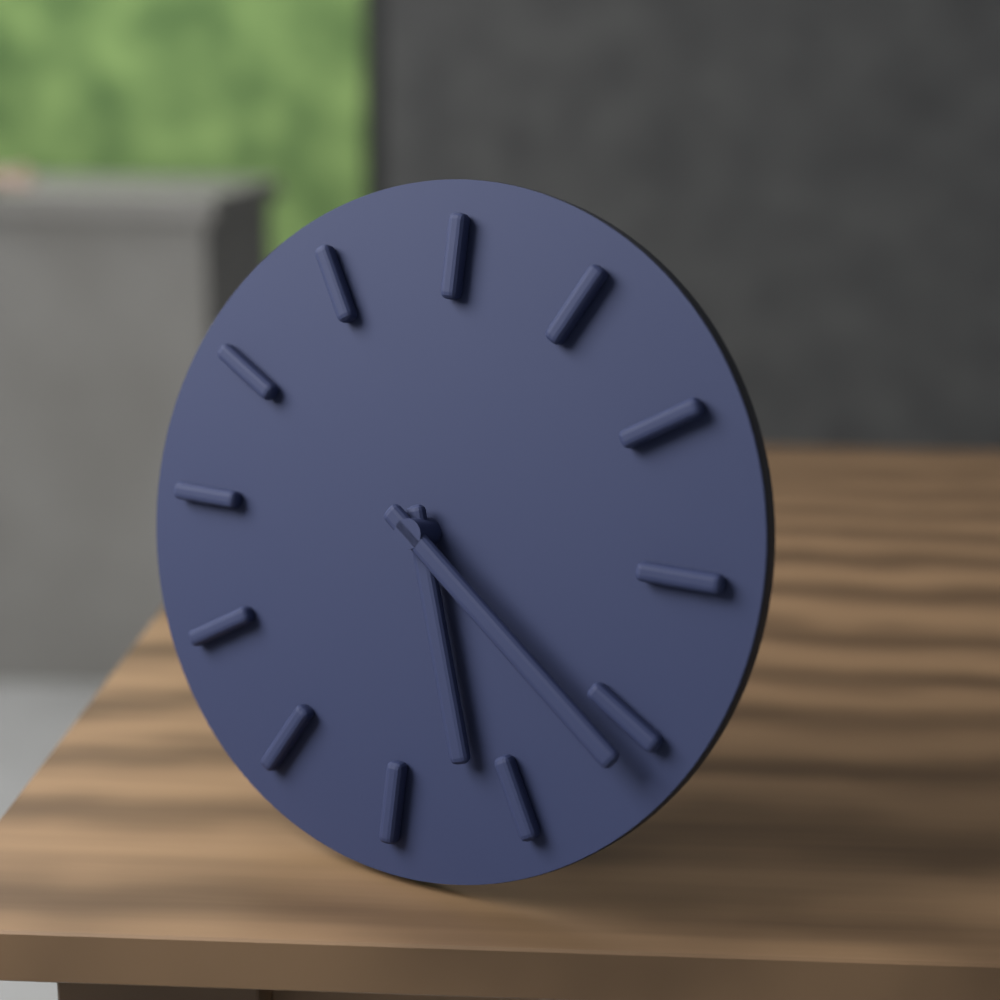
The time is h=5 m=21
